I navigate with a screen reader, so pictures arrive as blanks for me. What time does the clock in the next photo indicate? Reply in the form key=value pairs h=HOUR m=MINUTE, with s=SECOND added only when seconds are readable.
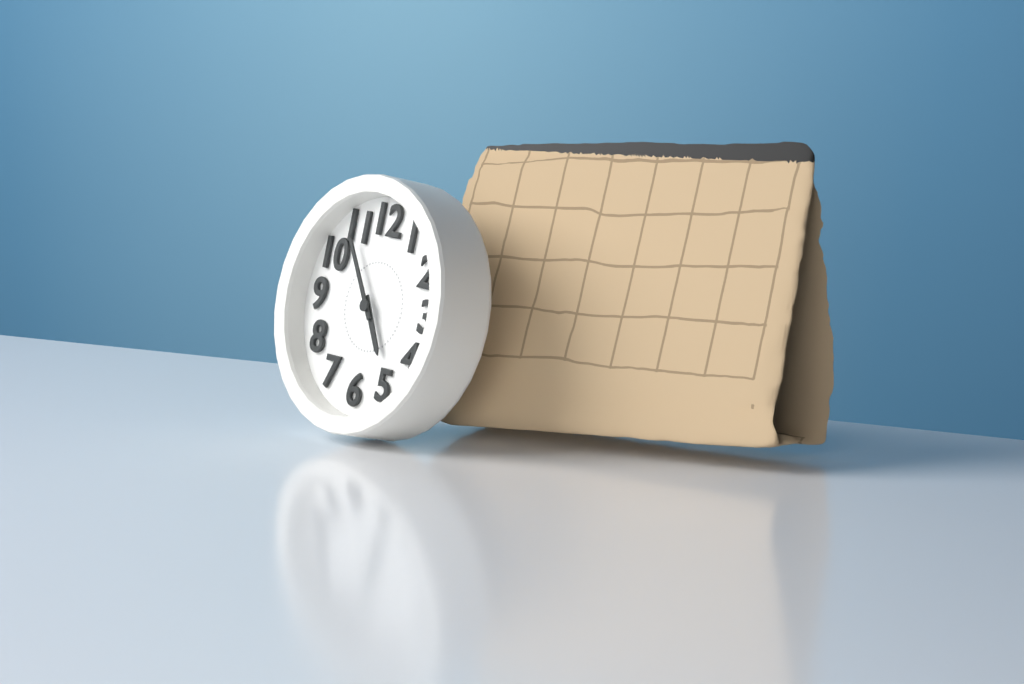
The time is h=4 m=54
